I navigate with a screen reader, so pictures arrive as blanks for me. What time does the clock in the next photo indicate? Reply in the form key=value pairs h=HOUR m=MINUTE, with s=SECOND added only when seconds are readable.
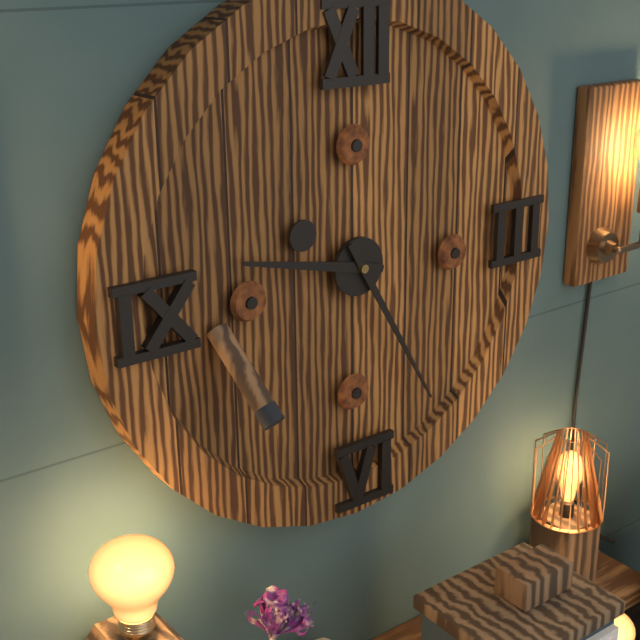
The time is h=9 m=25
